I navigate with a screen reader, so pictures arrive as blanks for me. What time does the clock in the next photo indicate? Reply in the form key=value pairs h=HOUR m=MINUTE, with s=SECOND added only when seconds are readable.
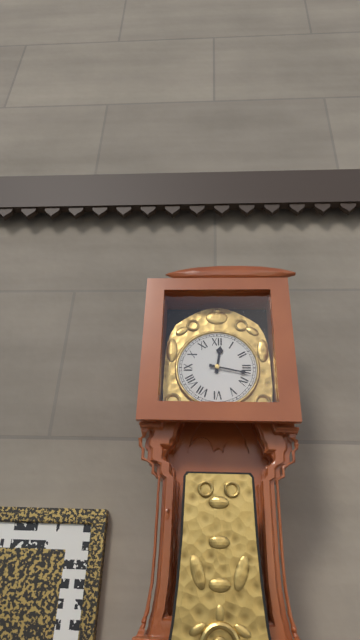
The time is h=12 m=17
